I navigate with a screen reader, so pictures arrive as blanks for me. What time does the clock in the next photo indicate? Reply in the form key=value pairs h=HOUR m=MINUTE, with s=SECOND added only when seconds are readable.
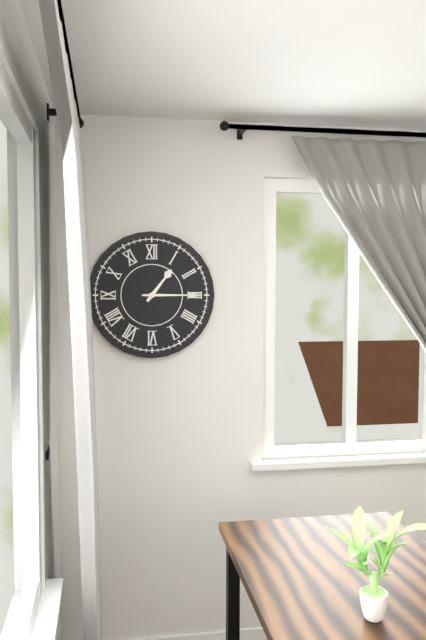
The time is h=1 m=15
